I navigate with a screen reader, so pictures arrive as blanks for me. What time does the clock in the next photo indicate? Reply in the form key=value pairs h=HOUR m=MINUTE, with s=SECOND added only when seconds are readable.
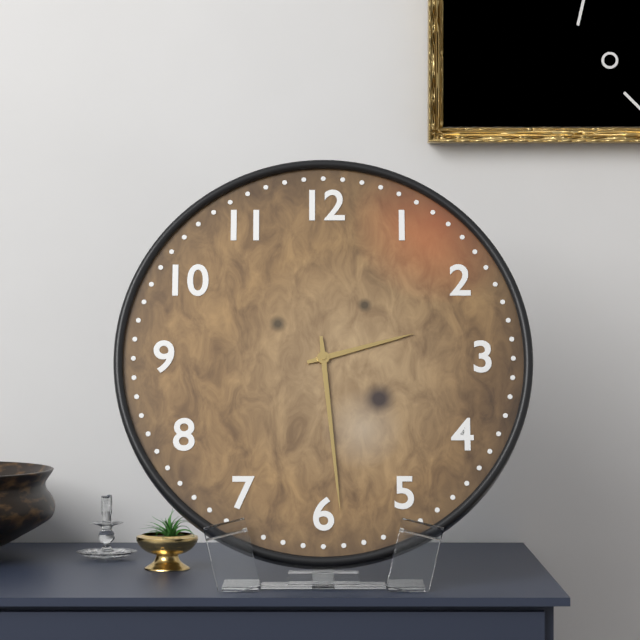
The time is h=2 m=29
